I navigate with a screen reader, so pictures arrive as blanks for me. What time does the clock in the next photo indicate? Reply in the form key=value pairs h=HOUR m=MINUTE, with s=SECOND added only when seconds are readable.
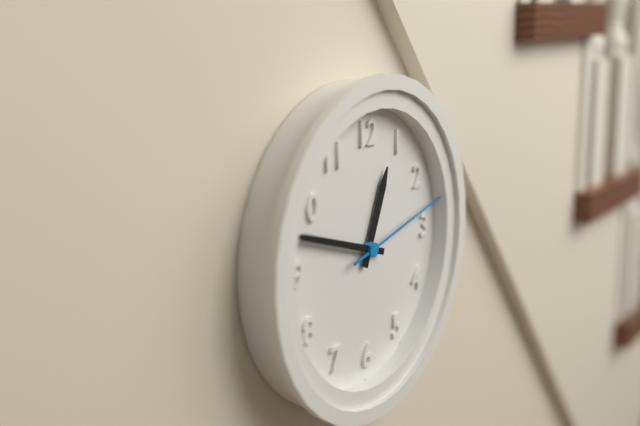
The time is h=12 m=48 s=13
